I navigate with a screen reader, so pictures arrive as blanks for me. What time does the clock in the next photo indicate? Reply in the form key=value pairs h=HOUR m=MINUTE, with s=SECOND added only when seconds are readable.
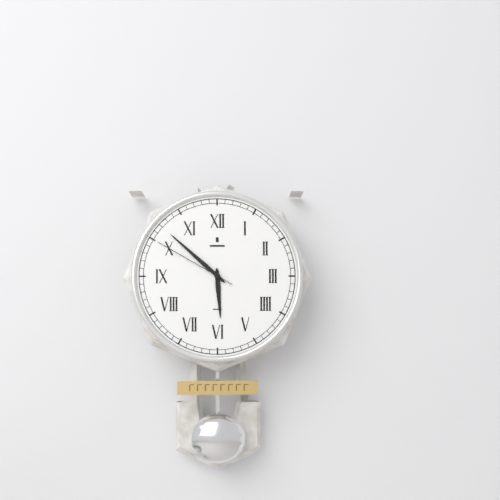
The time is h=5 m=52 s=50
